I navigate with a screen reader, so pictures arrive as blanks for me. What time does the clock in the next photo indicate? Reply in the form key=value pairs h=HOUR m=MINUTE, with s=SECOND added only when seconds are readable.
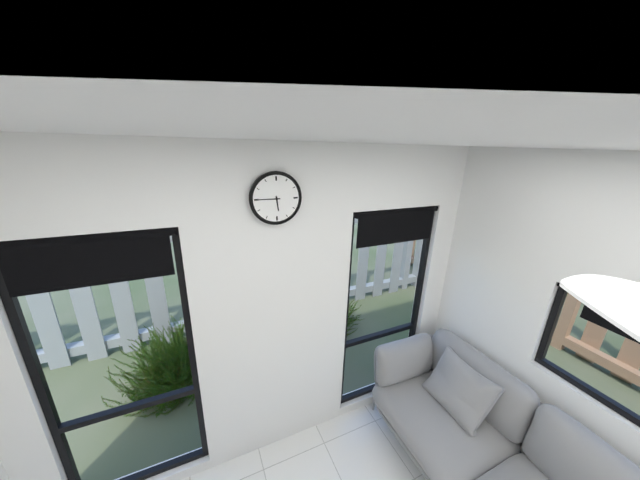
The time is h=5 m=45
